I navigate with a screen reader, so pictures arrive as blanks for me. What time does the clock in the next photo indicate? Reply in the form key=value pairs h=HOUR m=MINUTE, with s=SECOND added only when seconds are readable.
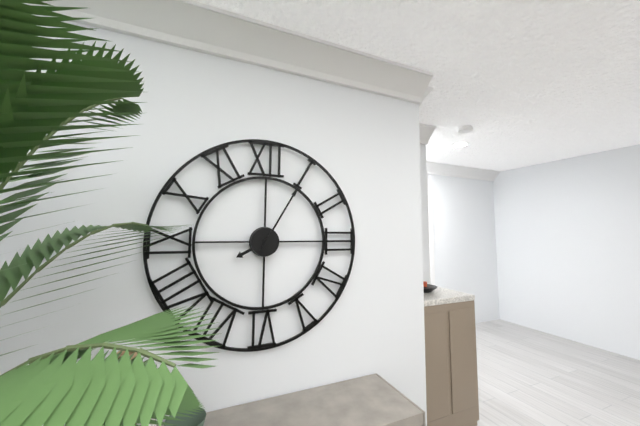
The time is h=8 m=5
